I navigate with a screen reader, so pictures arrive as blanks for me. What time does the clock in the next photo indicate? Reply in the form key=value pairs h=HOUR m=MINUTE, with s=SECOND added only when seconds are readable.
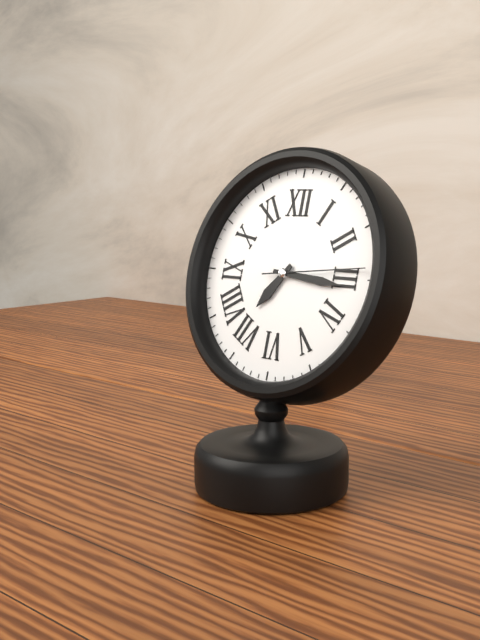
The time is h=7 m=16 s=14
